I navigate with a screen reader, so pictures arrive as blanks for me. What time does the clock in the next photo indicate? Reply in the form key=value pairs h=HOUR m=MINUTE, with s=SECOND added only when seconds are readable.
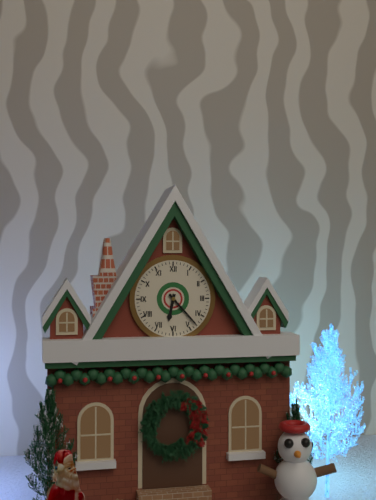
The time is h=6 m=23
